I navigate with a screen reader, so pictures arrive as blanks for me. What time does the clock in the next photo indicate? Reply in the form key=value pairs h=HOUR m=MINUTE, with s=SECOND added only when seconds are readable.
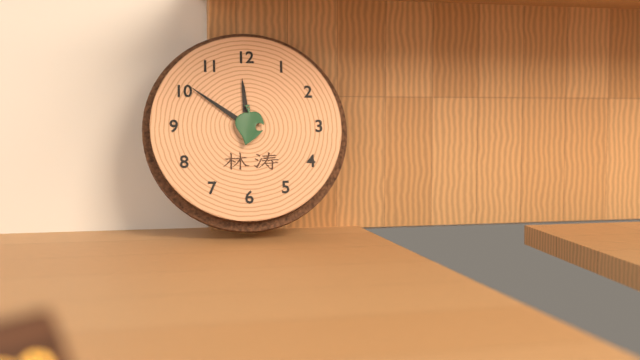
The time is h=11 m=51
